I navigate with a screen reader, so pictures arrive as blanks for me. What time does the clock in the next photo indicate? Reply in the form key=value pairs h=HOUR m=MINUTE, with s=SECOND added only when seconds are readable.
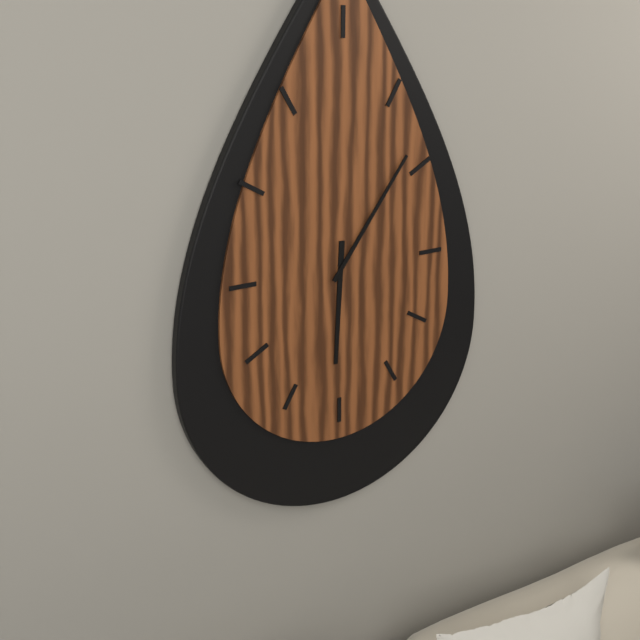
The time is h=6 m=6
